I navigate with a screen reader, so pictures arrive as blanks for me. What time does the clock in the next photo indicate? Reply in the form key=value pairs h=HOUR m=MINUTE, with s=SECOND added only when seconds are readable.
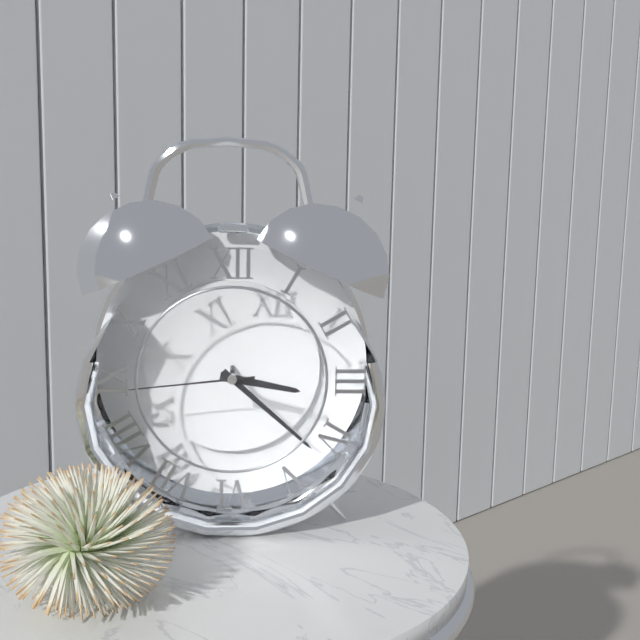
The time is h=3 m=22 s=44
